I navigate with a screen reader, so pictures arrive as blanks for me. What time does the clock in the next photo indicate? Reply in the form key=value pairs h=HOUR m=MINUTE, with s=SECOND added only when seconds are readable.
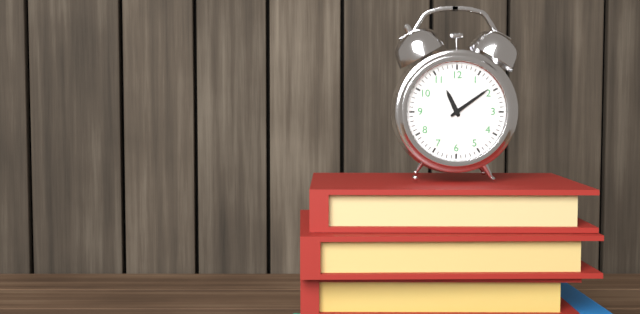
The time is h=11 m=9
